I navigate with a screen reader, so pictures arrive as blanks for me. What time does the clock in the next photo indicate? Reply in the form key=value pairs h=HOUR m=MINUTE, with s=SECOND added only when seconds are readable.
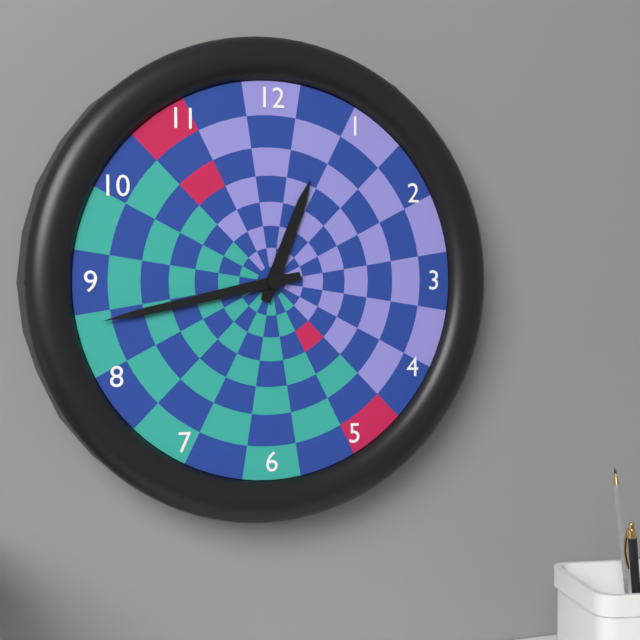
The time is h=12 m=43
